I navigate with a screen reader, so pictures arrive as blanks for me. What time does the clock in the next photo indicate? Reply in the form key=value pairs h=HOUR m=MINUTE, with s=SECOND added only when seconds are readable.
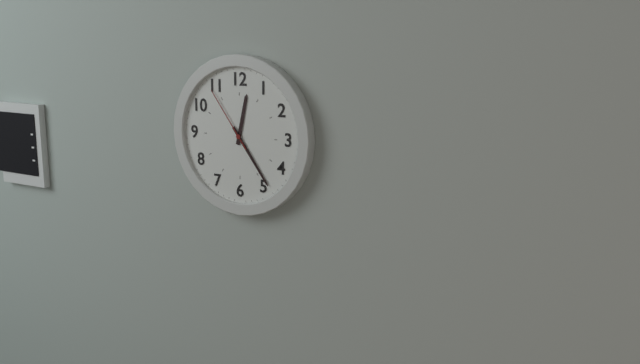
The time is h=12 m=24 s=54
